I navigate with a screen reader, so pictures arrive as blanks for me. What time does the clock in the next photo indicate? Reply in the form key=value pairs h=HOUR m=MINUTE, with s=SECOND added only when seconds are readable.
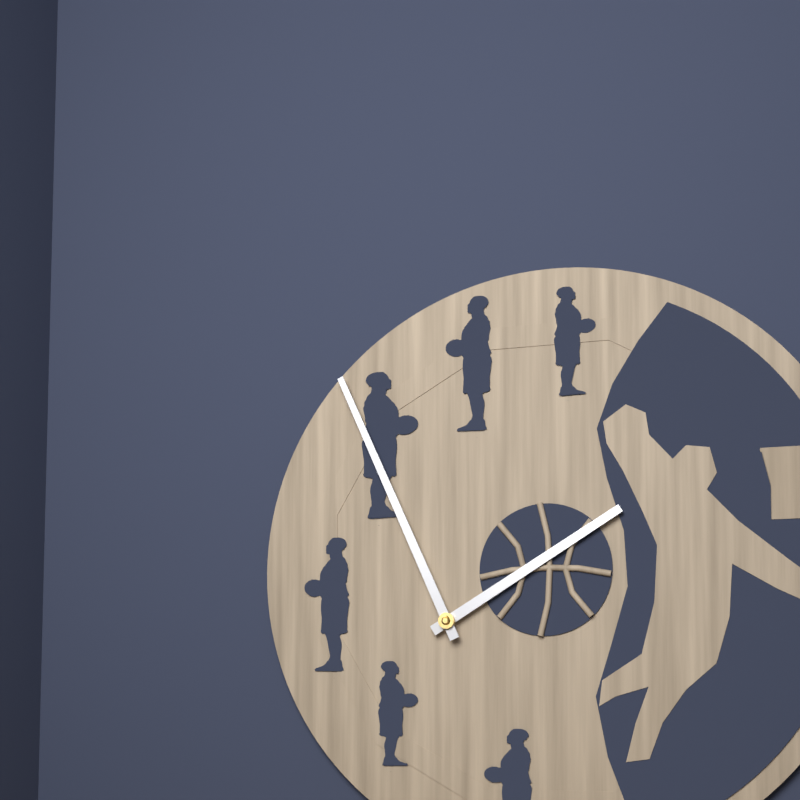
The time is h=1 m=56
